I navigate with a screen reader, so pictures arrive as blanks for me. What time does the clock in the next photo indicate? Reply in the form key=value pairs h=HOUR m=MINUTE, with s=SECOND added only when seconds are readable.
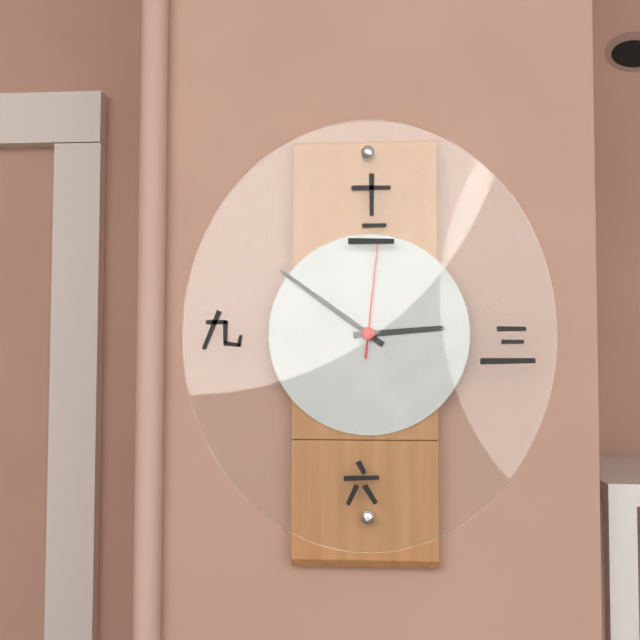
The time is h=2 m=51 s=1
